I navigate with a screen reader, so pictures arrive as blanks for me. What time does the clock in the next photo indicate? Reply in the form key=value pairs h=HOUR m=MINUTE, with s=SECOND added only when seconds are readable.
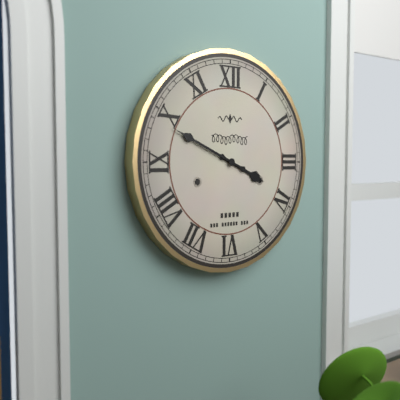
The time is h=3 m=49
